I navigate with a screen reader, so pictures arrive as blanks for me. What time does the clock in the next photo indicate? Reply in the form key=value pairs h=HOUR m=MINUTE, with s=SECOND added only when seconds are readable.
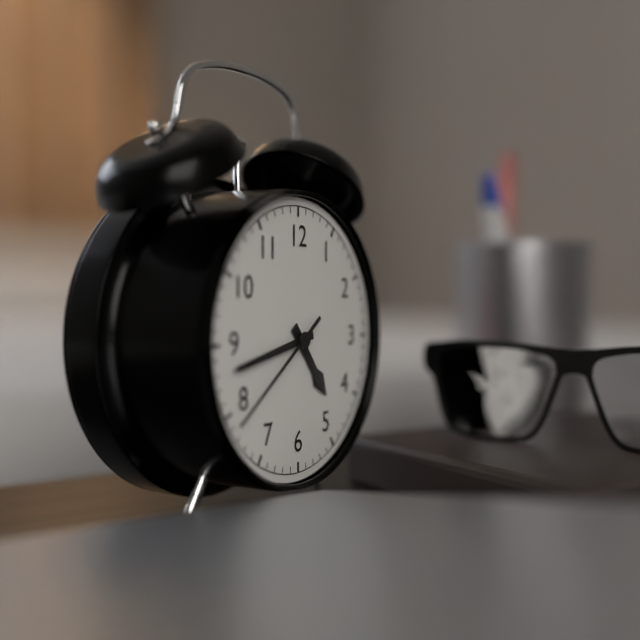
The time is h=4 m=43 s=39
